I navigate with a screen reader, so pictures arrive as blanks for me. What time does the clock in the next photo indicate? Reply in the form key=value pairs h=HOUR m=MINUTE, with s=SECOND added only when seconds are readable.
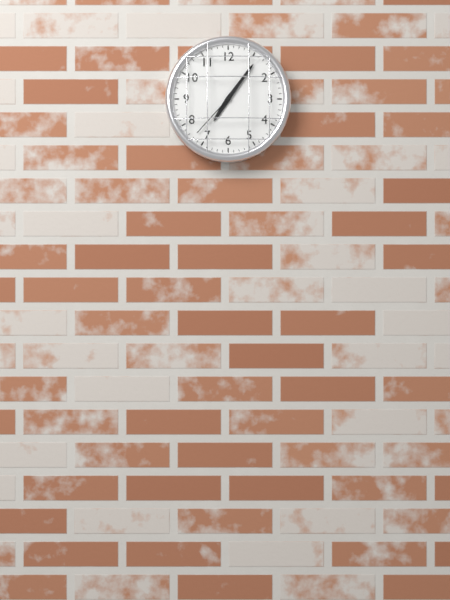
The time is h=7 m=6 s=37
